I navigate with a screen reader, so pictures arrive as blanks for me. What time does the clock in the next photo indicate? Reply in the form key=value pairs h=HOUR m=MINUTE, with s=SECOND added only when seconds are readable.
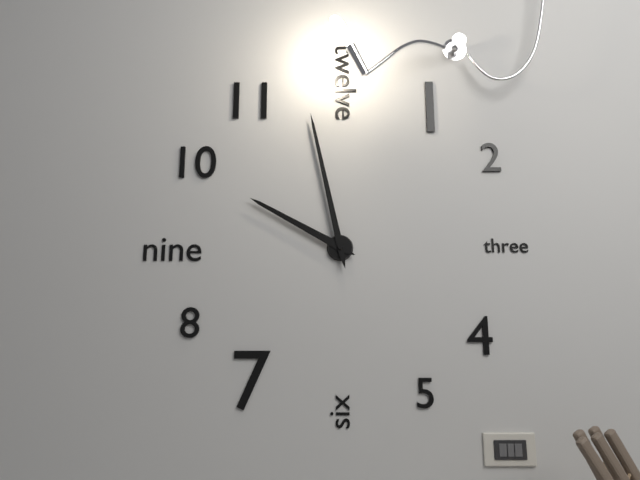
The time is h=9 m=58
